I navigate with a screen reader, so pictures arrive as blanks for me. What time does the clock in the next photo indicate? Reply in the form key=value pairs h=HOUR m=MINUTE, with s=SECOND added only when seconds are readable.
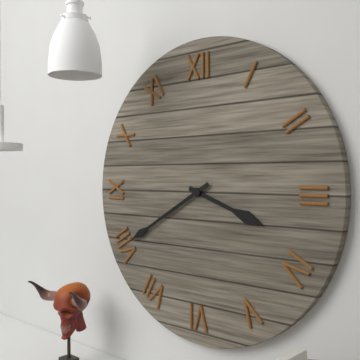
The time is h=3 m=40
